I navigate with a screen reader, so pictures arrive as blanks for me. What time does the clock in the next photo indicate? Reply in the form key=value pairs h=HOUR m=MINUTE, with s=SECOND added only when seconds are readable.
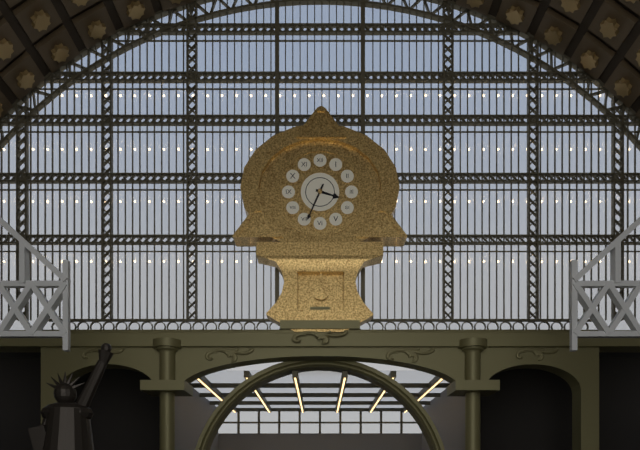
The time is h=3 m=34
